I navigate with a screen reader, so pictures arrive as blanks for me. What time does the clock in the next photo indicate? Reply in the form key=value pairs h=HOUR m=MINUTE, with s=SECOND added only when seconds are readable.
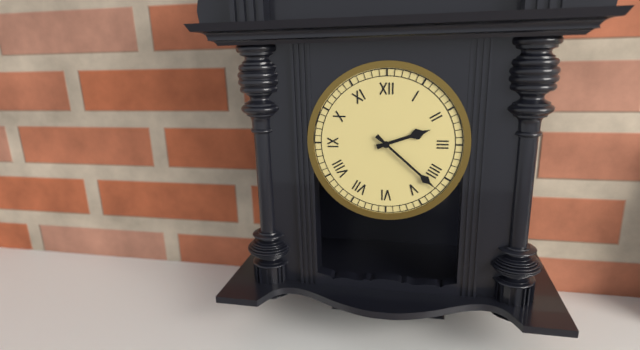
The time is h=2 m=22
